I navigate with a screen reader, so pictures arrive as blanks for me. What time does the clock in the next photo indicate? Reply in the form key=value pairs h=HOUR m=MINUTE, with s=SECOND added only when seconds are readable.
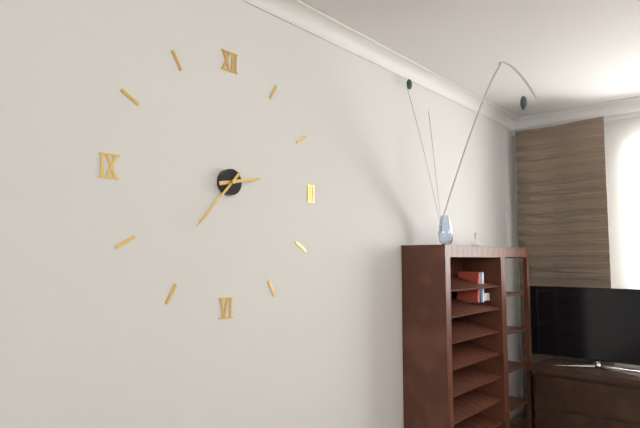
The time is h=2 m=37
